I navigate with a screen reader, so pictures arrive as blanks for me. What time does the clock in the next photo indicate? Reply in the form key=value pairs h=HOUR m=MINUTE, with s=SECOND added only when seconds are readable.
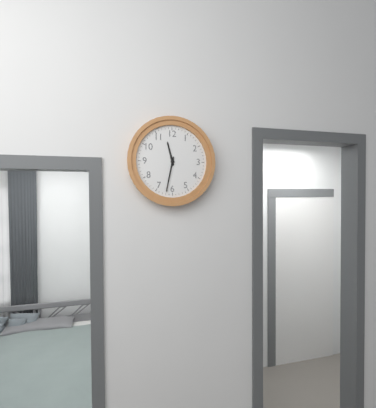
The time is h=11 m=32
